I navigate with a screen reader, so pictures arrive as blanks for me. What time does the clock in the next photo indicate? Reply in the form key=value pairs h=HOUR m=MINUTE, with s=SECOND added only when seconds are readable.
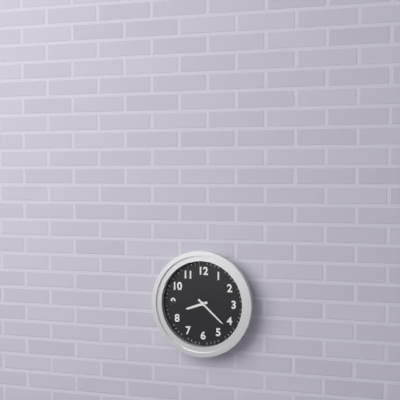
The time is h=8 m=22
